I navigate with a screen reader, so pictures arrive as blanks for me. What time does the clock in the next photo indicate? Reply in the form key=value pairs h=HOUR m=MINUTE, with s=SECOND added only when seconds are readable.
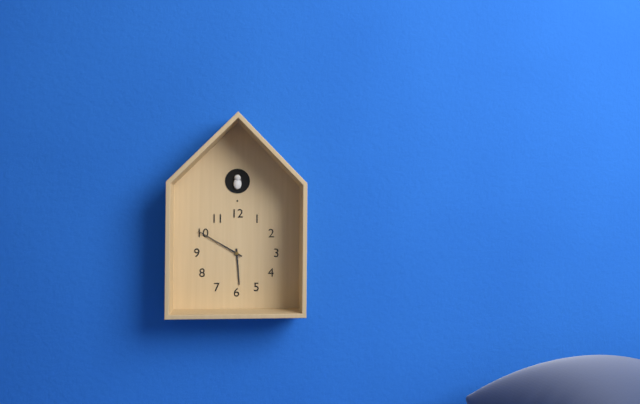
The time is h=5 m=50
